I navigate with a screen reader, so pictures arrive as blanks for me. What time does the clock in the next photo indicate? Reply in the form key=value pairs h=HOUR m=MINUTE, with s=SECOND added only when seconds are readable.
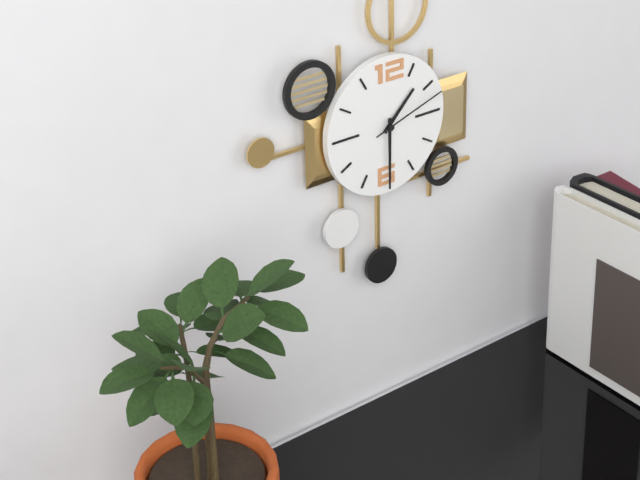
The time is h=1 m=30 s=12
